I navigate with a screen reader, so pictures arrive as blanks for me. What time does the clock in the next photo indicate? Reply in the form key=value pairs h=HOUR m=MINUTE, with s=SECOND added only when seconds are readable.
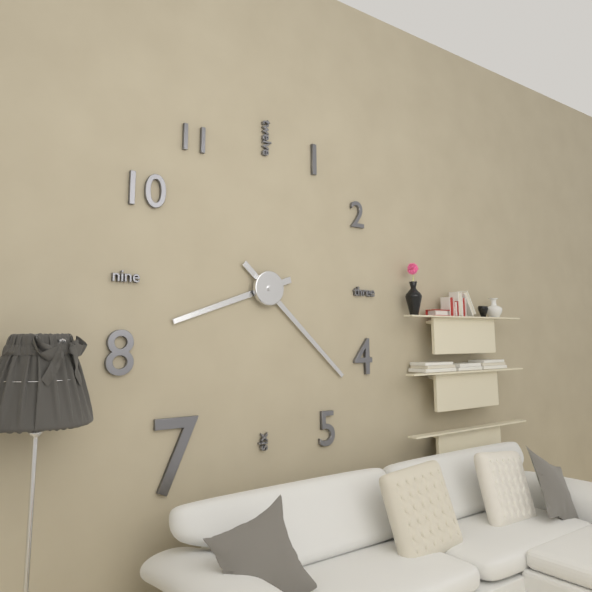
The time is h=8 m=22
